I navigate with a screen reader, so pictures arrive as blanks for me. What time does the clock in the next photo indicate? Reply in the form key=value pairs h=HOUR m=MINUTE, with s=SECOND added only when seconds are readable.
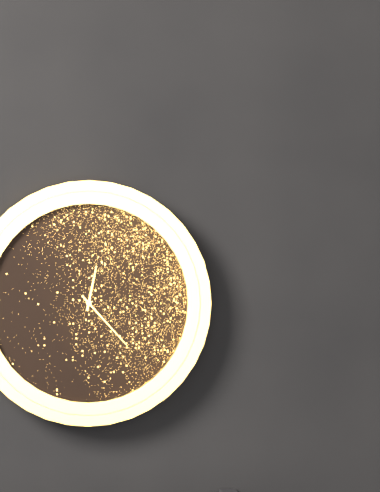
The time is h=12 m=23
